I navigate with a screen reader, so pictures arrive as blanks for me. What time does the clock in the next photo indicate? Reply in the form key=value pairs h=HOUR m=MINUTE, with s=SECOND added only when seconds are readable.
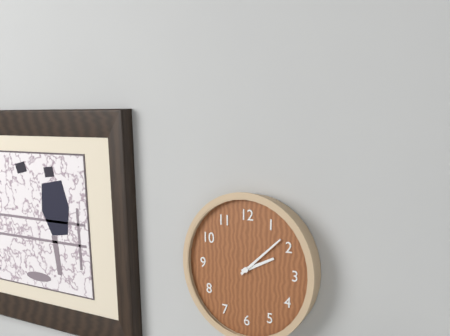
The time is h=2 m=8
